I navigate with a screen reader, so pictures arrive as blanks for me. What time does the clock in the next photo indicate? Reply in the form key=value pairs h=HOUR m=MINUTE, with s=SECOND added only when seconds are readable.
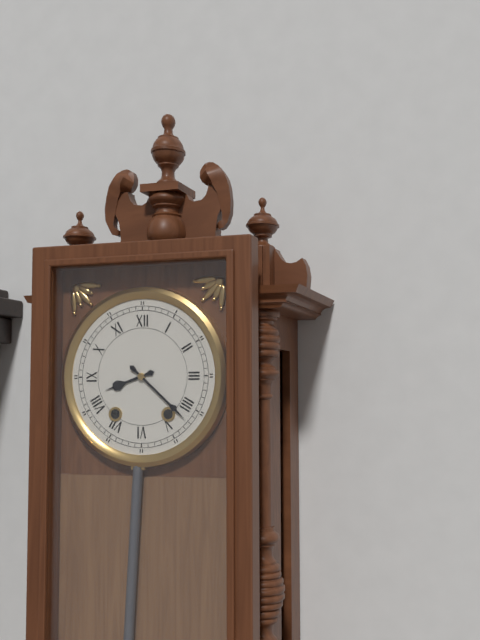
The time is h=8 m=22
